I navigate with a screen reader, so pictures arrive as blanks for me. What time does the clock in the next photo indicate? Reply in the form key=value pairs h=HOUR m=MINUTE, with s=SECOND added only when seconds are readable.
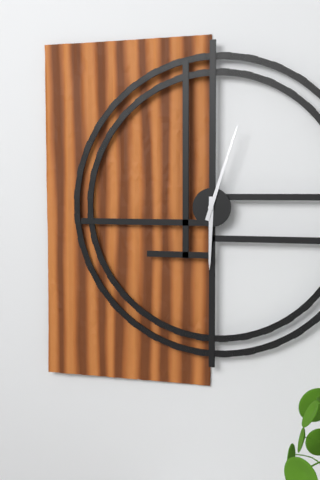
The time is h=6 m=3
